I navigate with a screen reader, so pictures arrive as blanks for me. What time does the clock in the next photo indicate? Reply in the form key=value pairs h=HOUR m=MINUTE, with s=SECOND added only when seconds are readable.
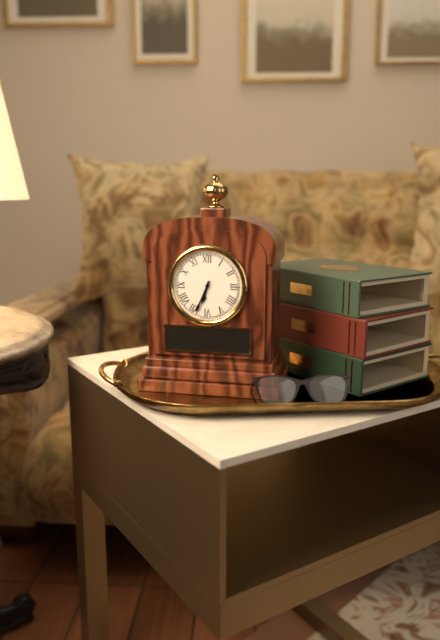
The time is h=6 m=34
